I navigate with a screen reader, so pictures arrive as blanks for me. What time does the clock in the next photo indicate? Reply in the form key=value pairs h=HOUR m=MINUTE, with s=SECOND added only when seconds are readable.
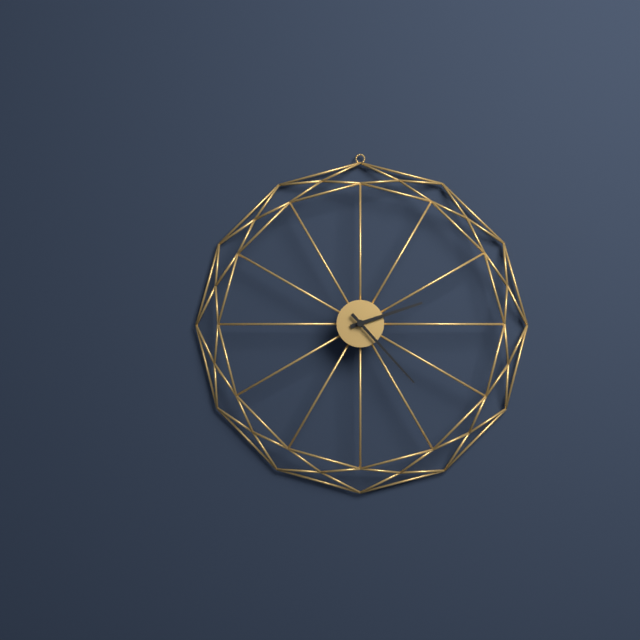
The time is h=2 m=23
